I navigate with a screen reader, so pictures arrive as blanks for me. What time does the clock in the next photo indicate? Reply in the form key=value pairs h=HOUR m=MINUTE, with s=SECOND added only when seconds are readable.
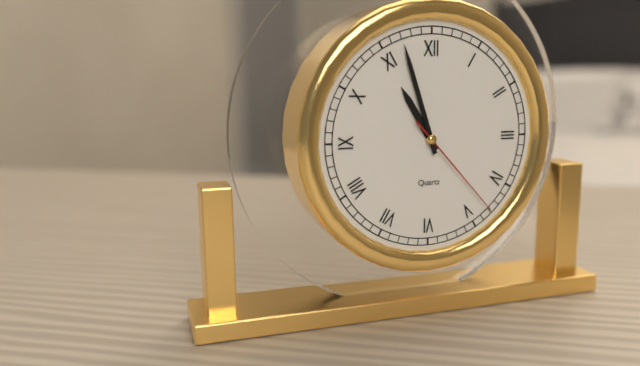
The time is h=10 m=57 s=23
